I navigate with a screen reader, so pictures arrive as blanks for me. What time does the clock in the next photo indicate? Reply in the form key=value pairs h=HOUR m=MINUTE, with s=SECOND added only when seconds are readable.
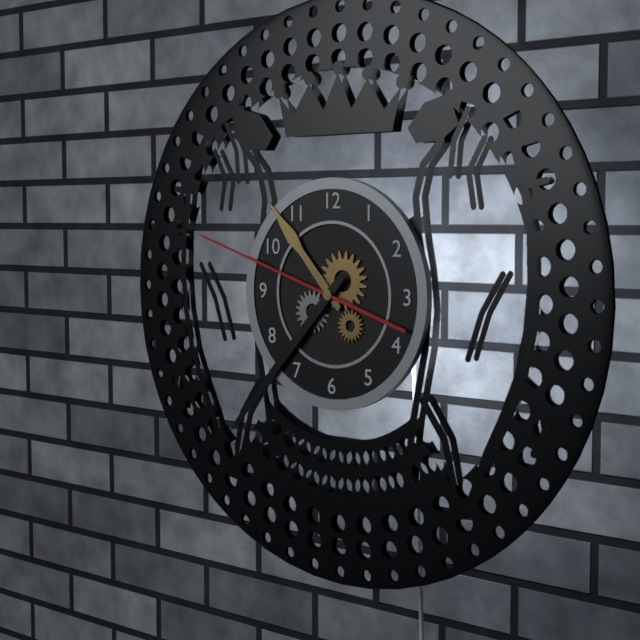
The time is h=10 m=37 s=48
